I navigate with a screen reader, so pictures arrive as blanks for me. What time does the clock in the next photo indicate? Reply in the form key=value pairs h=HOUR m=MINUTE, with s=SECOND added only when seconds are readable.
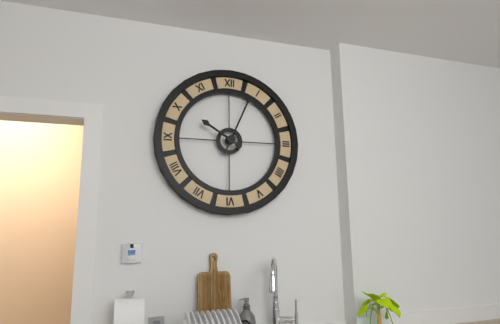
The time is h=10 m=4
